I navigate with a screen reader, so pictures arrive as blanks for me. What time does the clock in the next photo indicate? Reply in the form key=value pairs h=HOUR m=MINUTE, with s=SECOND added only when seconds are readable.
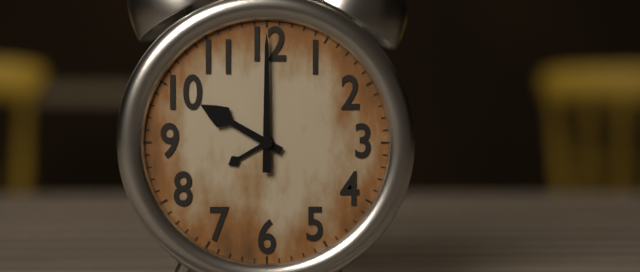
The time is h=10 m=0
